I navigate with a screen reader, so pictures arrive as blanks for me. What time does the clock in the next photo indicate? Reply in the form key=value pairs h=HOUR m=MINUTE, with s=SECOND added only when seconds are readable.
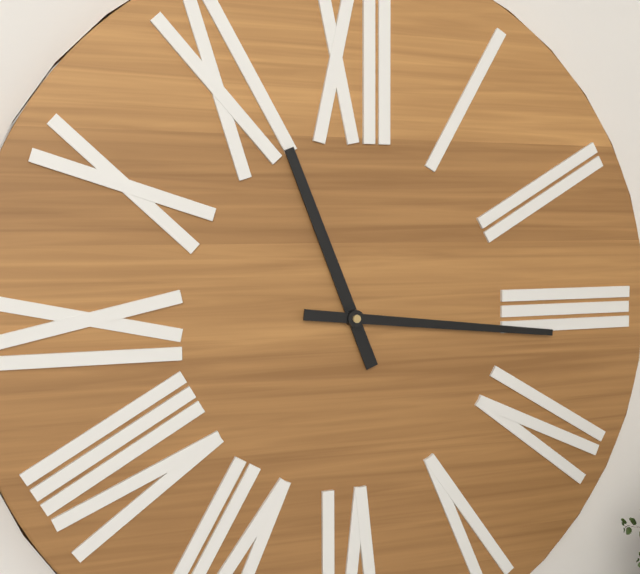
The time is h=11 m=16
